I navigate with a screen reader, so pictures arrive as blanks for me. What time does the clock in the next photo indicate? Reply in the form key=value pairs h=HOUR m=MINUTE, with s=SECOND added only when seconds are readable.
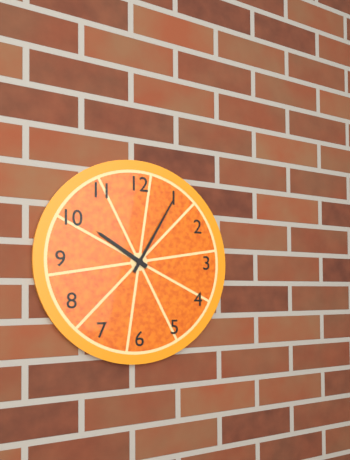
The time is h=10 m=5
